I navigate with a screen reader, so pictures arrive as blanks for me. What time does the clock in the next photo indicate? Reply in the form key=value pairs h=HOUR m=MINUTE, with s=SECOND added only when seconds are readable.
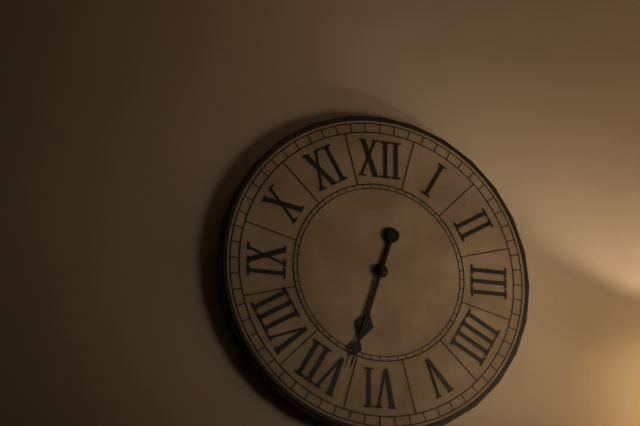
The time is h=6 m=33
